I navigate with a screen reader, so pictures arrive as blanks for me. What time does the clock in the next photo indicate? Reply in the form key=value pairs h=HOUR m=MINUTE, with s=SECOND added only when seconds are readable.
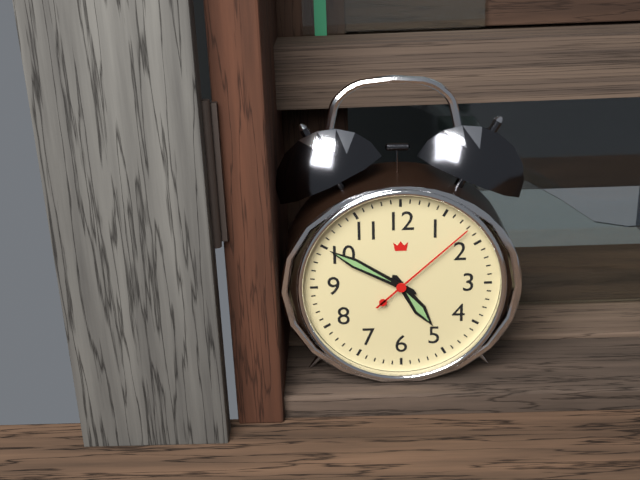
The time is h=4 m=50 s=8
